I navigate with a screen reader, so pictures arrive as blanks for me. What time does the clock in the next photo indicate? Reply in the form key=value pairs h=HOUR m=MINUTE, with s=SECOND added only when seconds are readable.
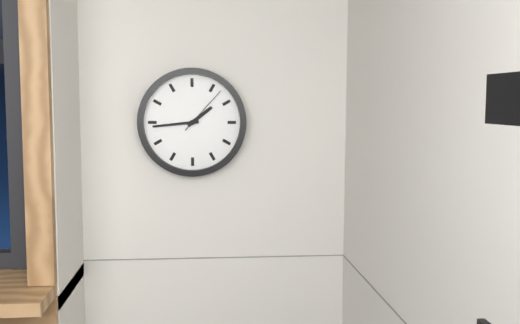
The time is h=1 m=44 s=7
